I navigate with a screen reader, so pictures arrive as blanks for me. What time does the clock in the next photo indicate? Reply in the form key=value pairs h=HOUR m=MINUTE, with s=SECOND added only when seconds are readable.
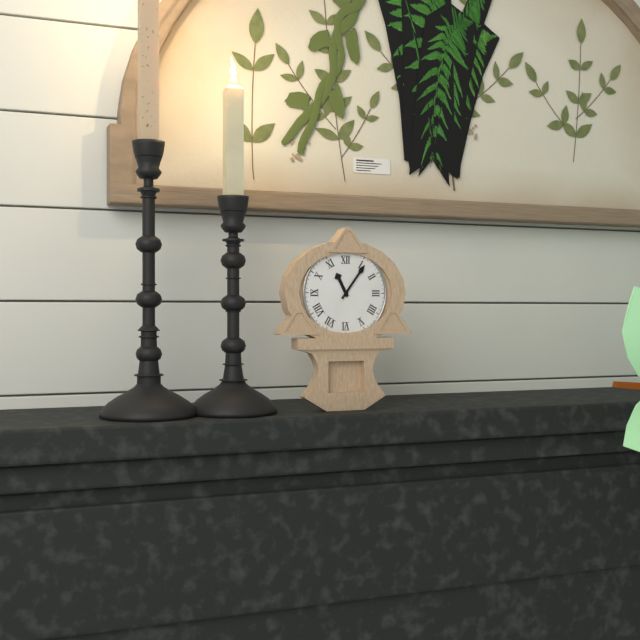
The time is h=11 m=6
